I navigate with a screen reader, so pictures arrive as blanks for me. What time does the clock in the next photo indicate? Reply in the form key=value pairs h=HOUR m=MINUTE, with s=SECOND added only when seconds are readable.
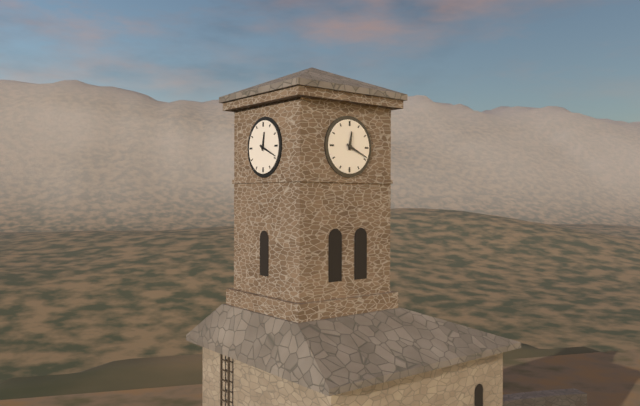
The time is h=12 m=19
